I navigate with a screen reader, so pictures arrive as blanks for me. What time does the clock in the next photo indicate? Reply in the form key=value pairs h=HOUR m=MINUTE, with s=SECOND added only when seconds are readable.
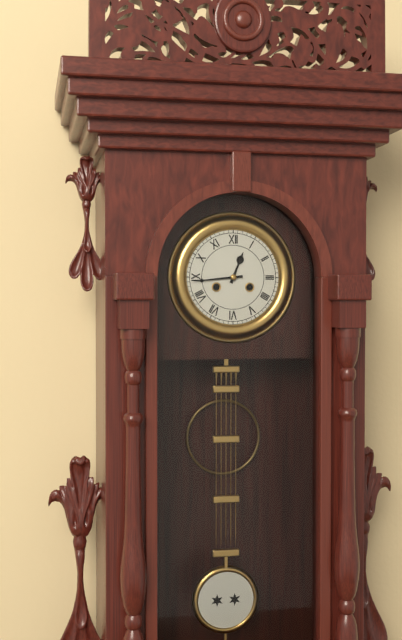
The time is h=12 m=44
